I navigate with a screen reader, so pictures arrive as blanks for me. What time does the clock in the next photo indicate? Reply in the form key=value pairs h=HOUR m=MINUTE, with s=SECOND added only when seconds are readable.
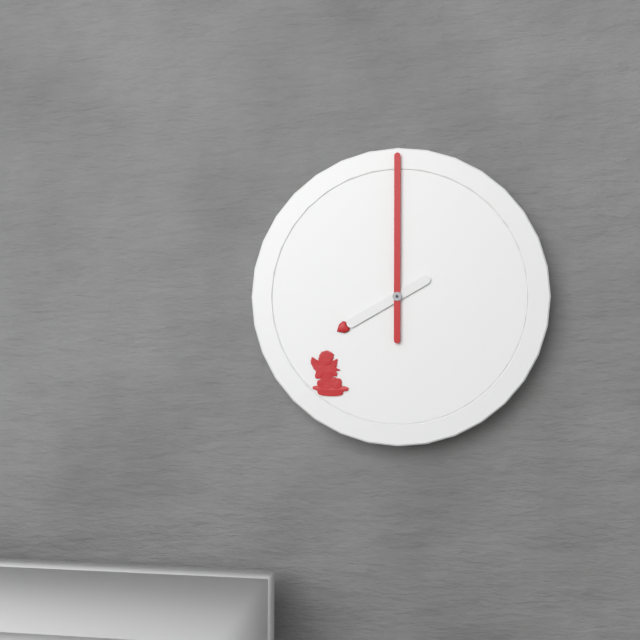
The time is h=8 m=0
